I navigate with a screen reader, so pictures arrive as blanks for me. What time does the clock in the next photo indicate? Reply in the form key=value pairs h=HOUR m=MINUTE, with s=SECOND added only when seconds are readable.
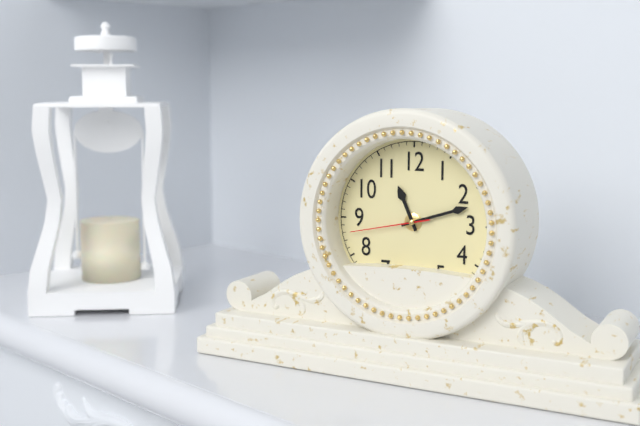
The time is h=11 m=12 s=43
